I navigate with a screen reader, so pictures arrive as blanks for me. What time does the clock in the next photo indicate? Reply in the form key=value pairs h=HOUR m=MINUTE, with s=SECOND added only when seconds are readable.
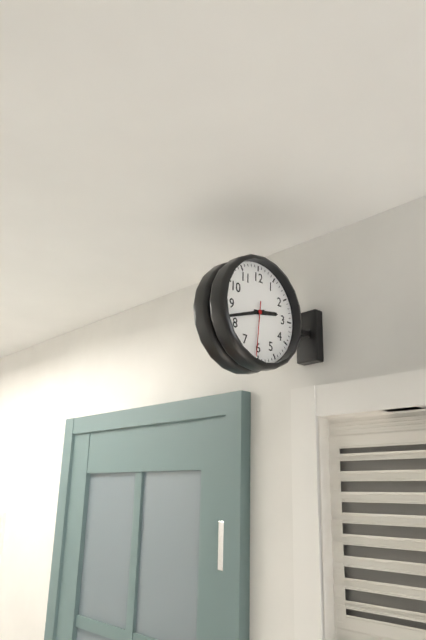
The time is h=2 m=42 s=31
